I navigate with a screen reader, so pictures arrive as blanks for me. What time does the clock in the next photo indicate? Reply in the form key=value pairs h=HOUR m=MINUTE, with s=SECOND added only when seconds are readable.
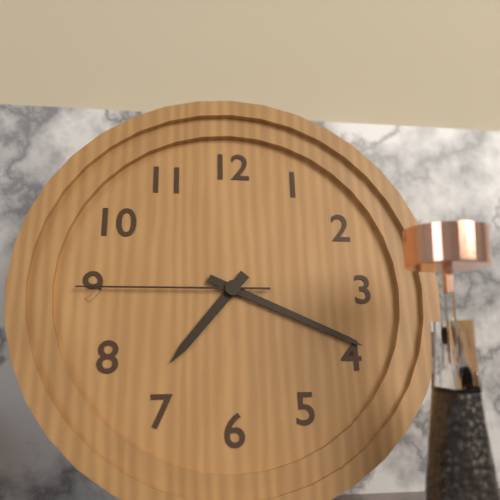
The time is h=7 m=19 s=45
